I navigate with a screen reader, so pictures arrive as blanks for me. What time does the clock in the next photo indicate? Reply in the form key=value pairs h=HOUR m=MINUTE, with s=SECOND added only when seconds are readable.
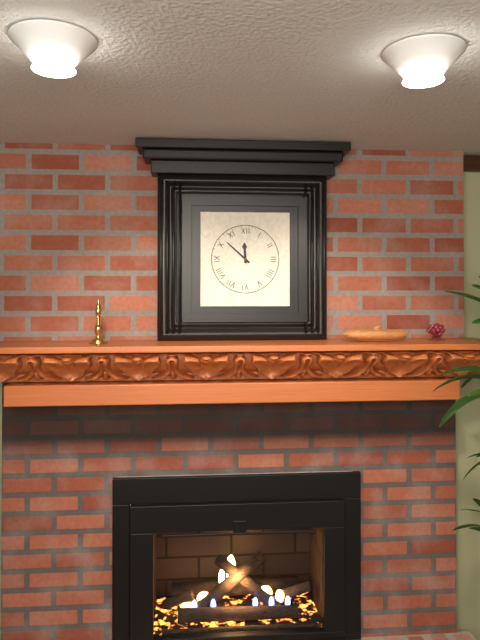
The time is h=11 m=52
